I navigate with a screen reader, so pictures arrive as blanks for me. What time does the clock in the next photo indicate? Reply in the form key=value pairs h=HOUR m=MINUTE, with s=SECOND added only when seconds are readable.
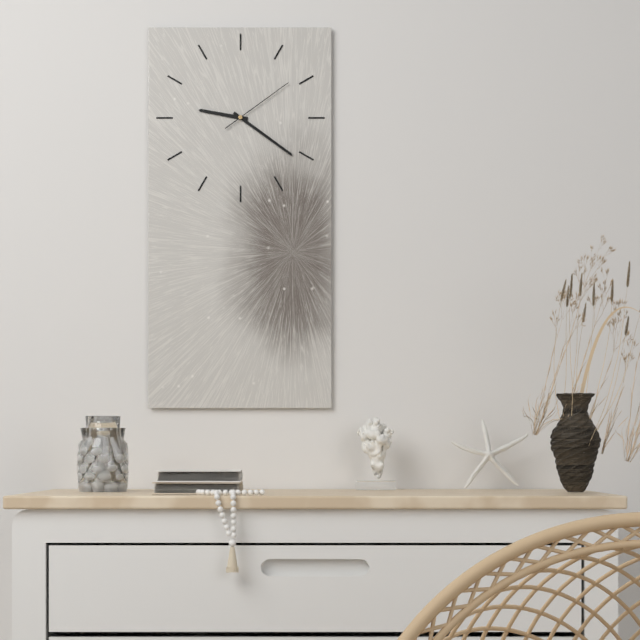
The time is h=9 m=21 s=9
